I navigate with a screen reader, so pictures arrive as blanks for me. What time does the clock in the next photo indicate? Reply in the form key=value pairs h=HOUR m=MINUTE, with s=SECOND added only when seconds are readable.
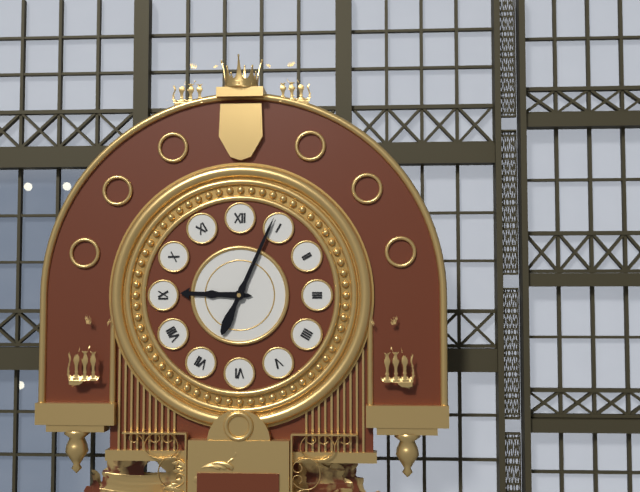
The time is h=9 m=4
